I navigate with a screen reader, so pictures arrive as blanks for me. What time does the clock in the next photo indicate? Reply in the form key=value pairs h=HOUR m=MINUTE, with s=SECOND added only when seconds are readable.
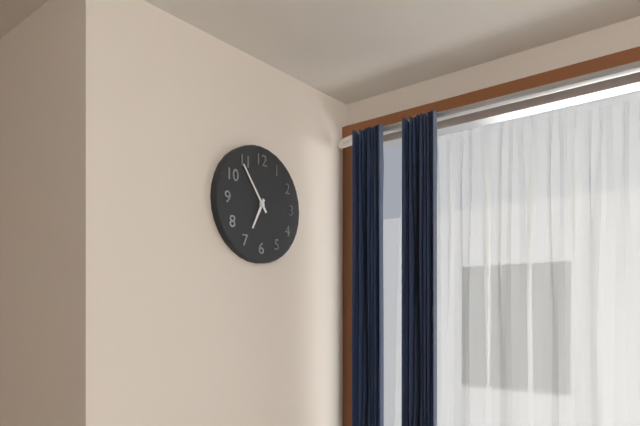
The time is h=6 m=54
